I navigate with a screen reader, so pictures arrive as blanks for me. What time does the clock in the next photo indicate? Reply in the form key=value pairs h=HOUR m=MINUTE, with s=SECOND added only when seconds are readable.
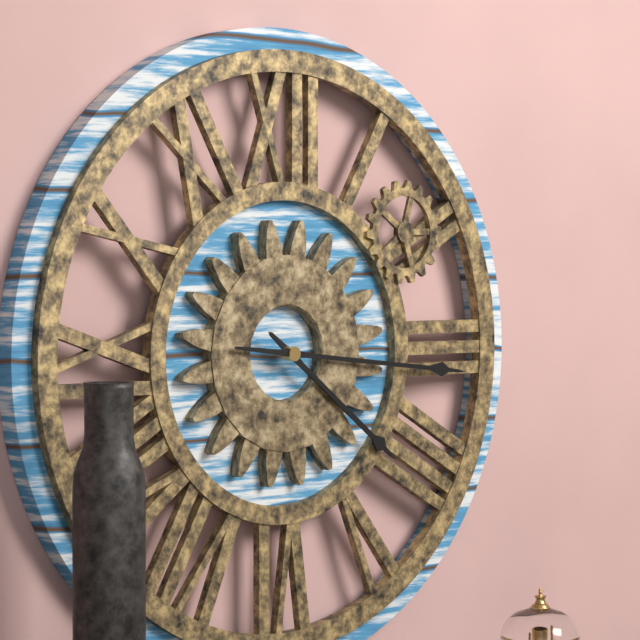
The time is h=4 m=16
